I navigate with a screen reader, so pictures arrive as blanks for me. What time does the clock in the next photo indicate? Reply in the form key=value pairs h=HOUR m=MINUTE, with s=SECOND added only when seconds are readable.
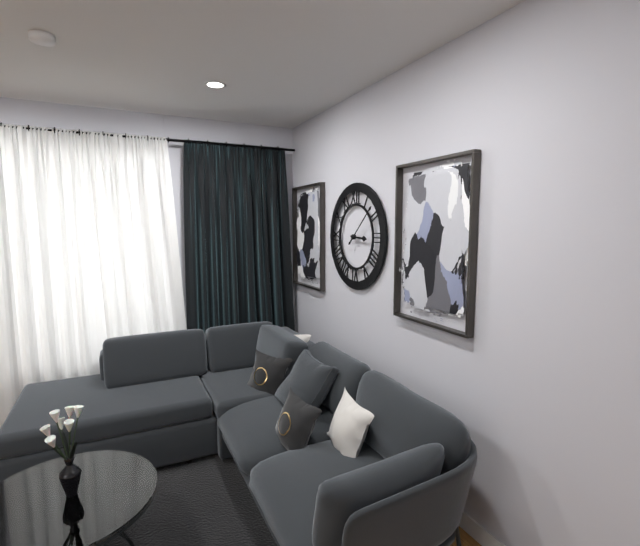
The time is h=3 m=8
